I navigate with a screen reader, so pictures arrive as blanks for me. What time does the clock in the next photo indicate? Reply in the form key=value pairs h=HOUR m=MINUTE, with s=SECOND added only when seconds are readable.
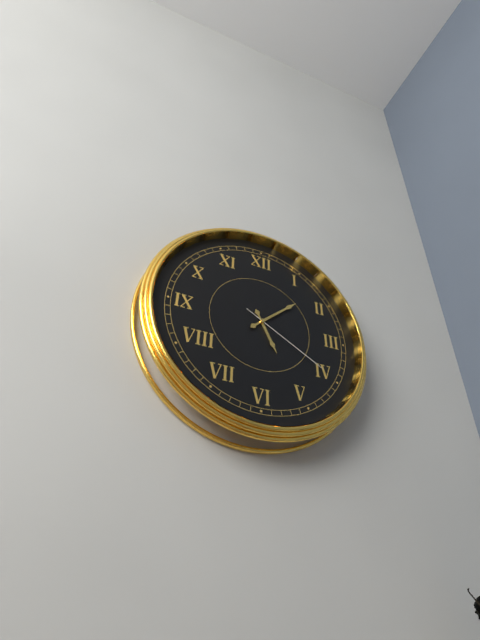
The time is h=5 m=8 s=20
